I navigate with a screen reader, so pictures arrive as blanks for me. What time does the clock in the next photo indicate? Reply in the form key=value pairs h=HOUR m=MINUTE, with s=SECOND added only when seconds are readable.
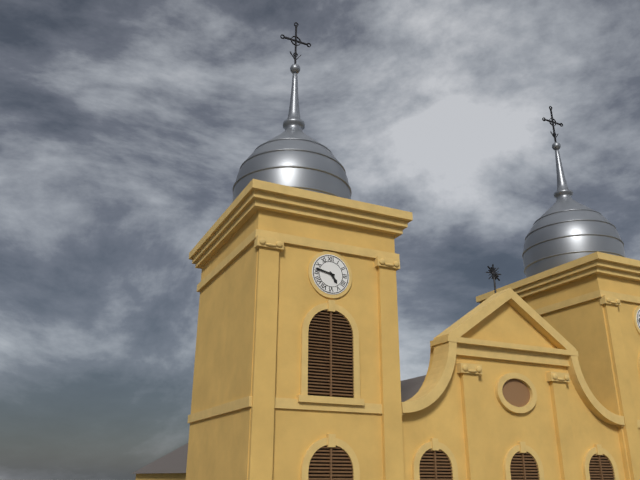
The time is h=4 m=47
